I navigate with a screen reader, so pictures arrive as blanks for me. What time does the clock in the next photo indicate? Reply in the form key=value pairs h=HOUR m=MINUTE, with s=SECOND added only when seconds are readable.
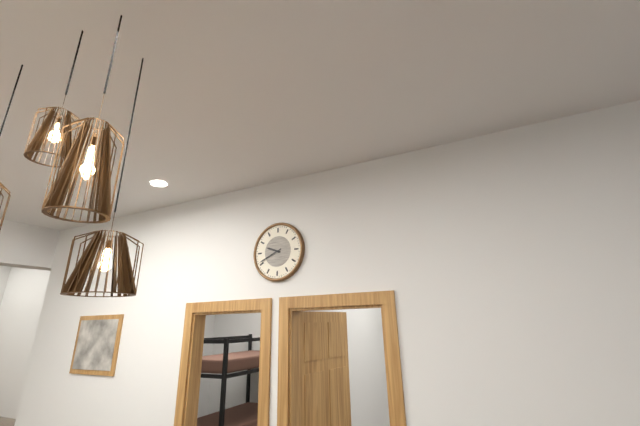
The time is h=9 m=41
